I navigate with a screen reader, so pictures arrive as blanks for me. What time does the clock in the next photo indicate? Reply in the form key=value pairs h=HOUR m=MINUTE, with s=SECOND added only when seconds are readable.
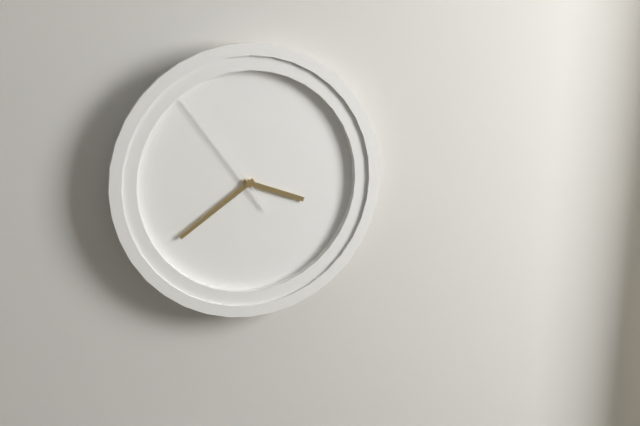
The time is h=3 m=39 s=54
